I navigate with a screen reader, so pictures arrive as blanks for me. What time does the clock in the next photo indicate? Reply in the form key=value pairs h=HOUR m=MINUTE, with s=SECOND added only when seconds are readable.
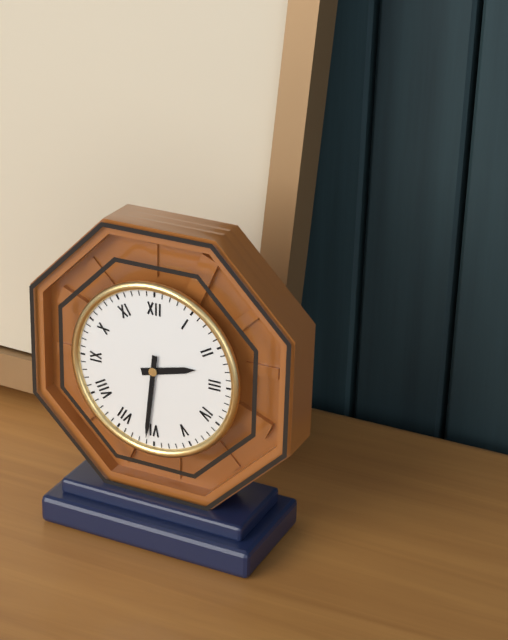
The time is h=2 m=31
